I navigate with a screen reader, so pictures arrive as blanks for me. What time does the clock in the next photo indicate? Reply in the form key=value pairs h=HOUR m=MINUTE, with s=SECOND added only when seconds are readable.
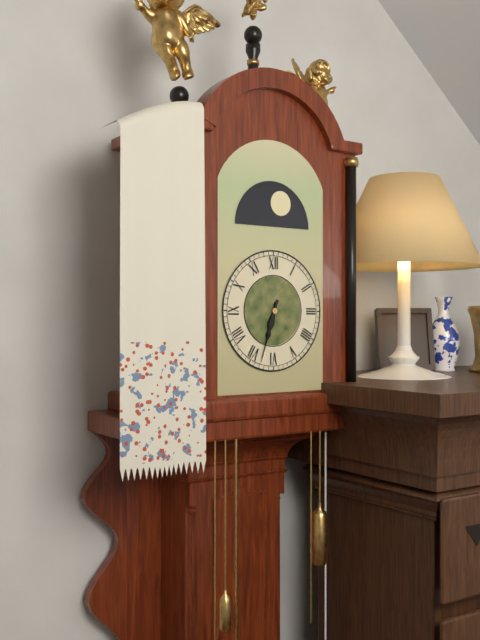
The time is h=6 m=33
